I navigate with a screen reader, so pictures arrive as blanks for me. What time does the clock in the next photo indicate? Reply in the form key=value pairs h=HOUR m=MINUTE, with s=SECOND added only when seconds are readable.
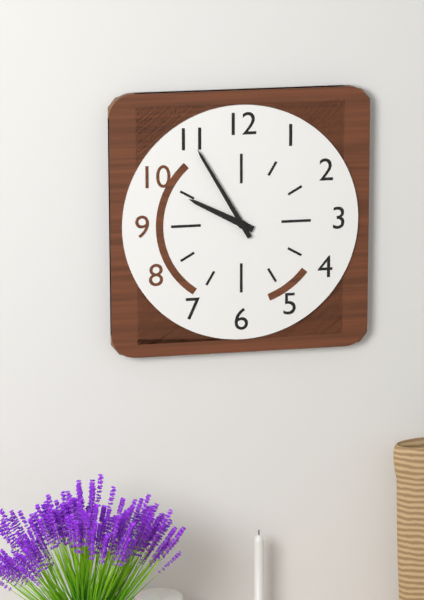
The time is h=9 m=55
